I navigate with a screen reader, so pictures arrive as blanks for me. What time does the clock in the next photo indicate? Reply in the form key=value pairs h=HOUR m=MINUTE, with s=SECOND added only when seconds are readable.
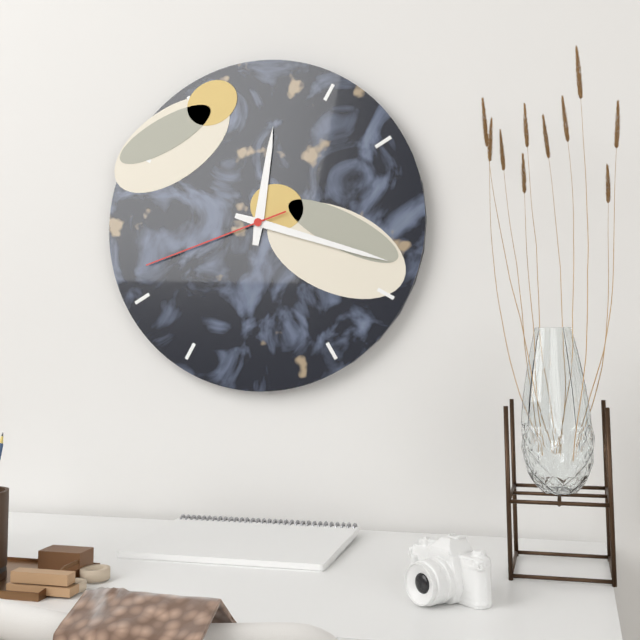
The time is h=12 m=18 s=42
